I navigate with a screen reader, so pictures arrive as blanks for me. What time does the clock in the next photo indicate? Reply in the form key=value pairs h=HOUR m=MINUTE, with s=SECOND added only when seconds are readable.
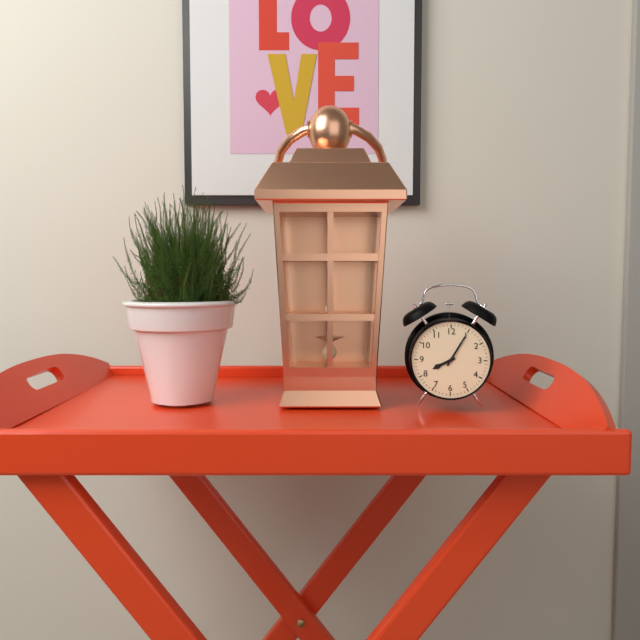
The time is h=8 m=5
